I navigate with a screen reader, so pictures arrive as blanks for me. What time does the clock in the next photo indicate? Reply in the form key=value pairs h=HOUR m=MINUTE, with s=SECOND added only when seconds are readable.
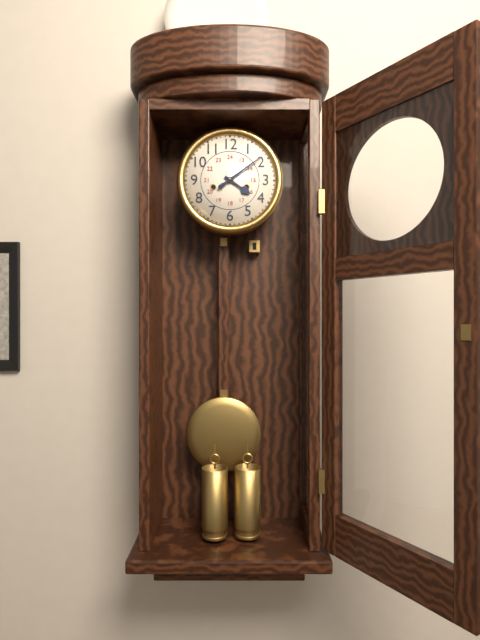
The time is h=4 m=9
